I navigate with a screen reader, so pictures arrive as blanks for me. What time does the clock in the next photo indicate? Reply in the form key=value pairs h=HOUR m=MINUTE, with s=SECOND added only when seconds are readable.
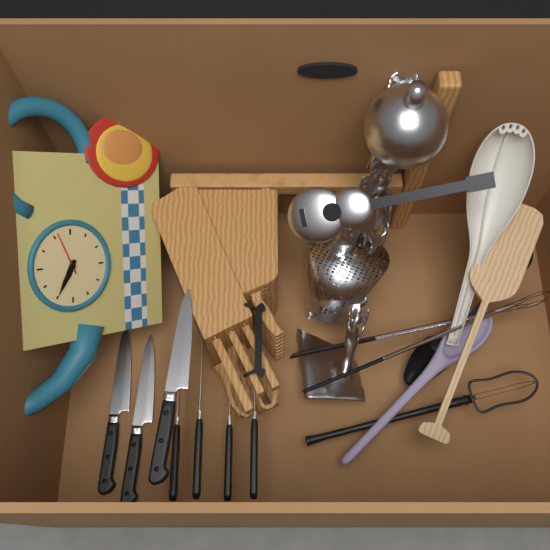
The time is h=9 m=50
